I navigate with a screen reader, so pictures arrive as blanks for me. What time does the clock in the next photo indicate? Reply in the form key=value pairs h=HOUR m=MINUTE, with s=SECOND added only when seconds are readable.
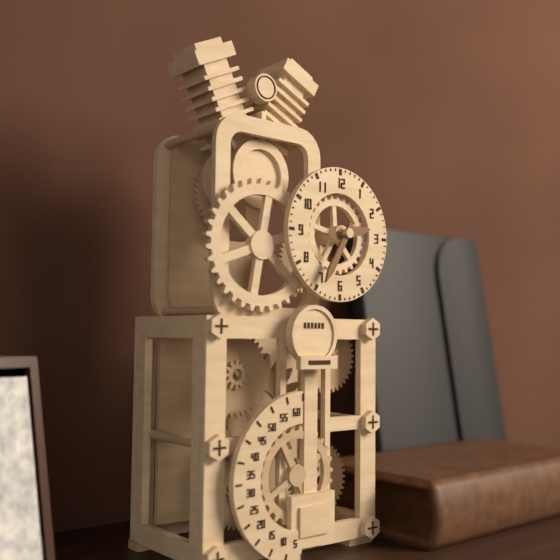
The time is h=2 m=35
